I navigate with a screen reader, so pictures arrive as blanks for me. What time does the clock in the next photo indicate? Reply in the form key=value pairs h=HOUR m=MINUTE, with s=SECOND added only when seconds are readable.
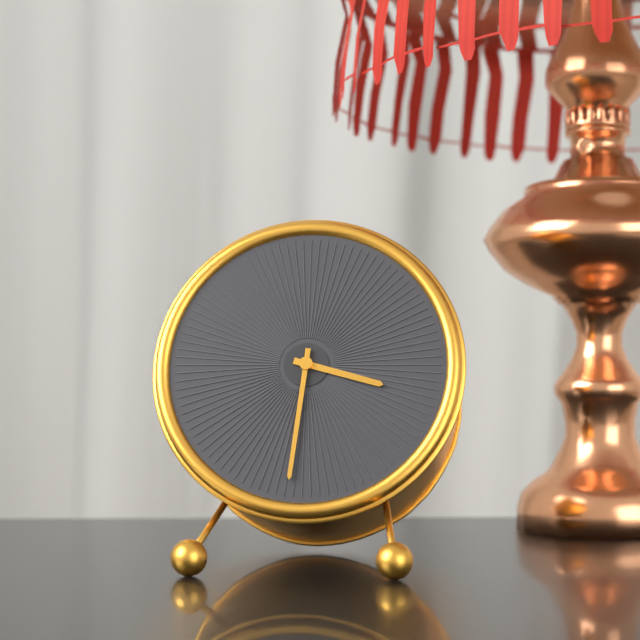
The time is h=3 m=31
